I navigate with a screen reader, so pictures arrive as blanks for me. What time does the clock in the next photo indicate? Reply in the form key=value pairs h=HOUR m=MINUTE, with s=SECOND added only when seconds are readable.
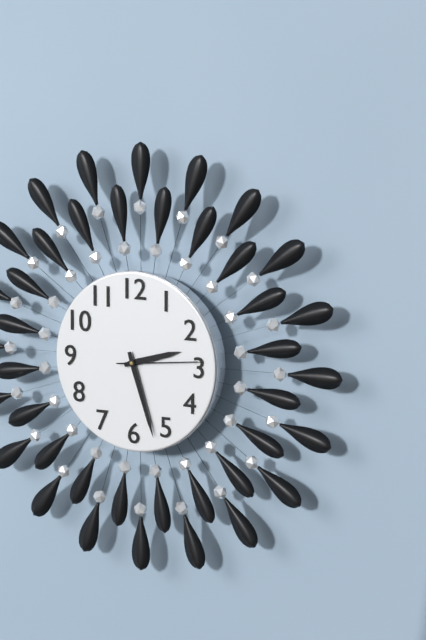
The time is h=2 m=27 s=14
